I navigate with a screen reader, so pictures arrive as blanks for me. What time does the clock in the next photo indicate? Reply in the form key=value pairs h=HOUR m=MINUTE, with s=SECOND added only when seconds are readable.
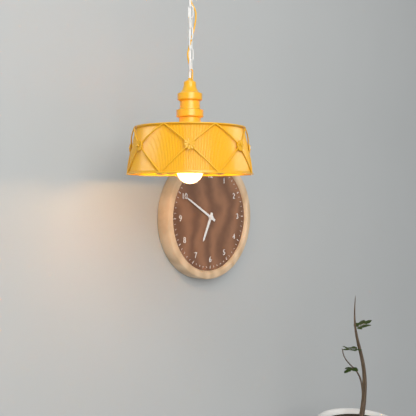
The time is h=6 m=50
